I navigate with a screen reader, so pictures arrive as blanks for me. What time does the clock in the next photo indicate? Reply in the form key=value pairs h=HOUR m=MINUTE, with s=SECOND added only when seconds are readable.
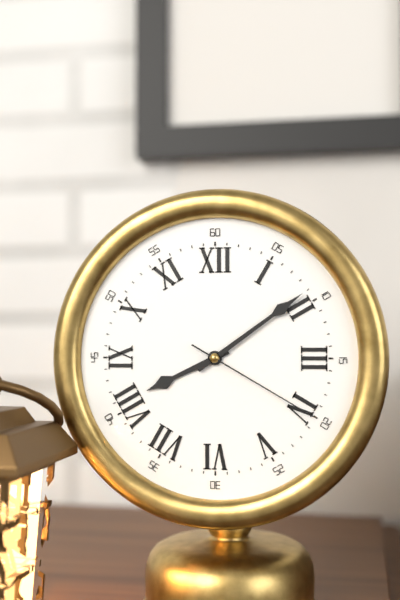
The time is h=8 m=9 s=20
